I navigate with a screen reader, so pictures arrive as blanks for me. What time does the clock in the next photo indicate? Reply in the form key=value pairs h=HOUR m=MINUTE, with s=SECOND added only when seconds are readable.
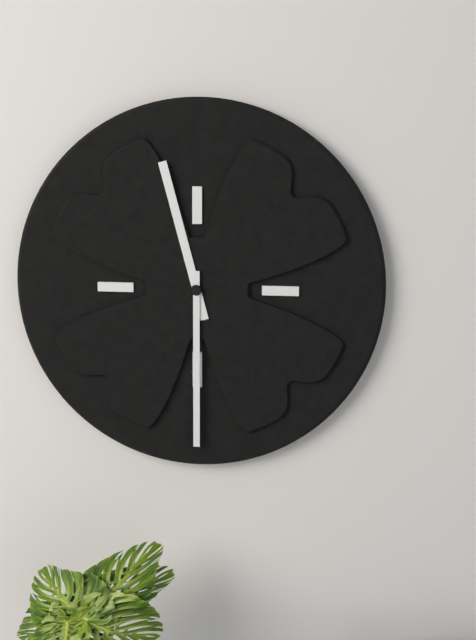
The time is h=11 m=30
